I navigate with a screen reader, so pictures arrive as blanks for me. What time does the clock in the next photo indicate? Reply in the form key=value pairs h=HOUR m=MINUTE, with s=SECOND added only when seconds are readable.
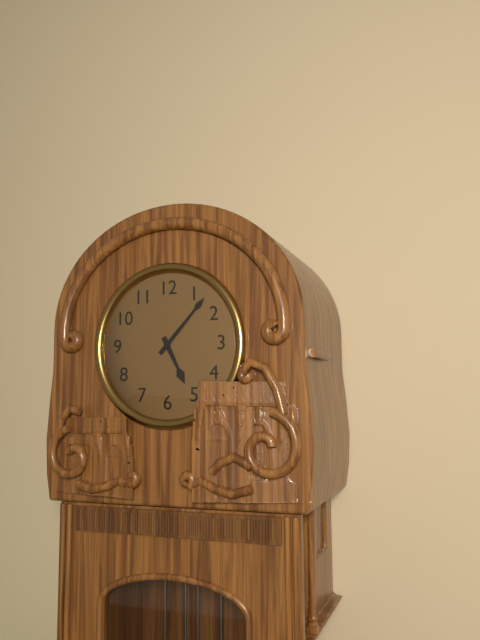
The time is h=5 m=7
